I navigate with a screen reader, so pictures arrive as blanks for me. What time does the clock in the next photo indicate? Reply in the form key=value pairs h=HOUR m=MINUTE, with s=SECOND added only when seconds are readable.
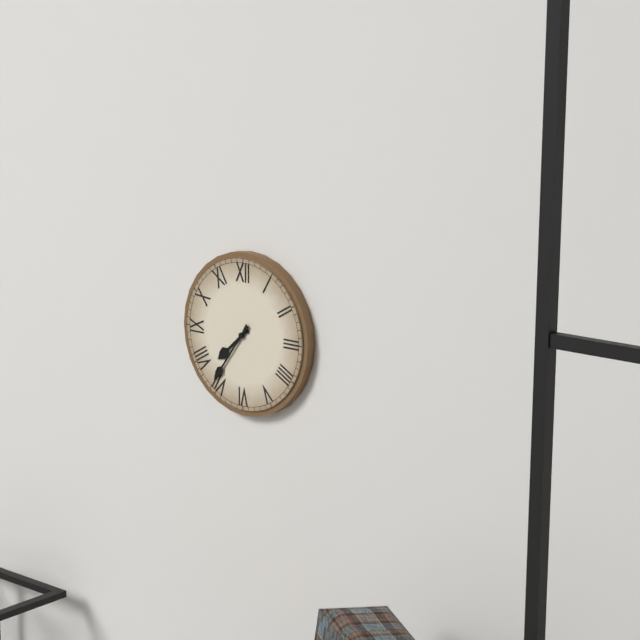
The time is h=7 m=36
